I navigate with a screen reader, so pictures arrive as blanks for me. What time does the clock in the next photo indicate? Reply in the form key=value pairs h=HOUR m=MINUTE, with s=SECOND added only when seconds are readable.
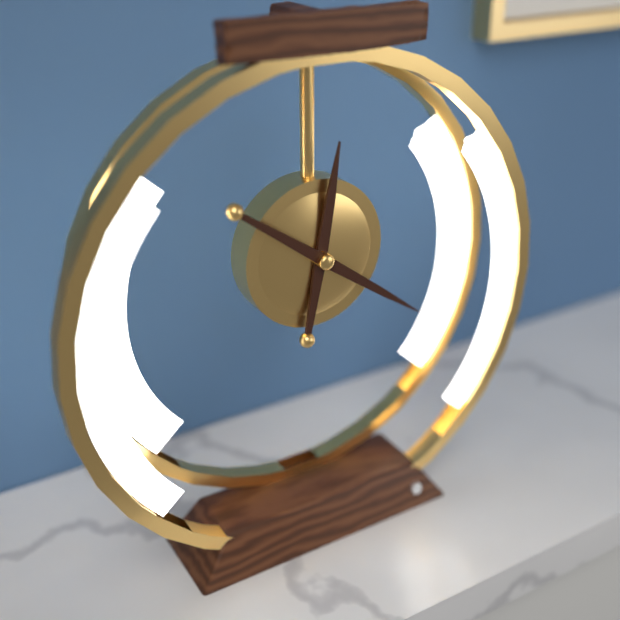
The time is h=12 m=21
